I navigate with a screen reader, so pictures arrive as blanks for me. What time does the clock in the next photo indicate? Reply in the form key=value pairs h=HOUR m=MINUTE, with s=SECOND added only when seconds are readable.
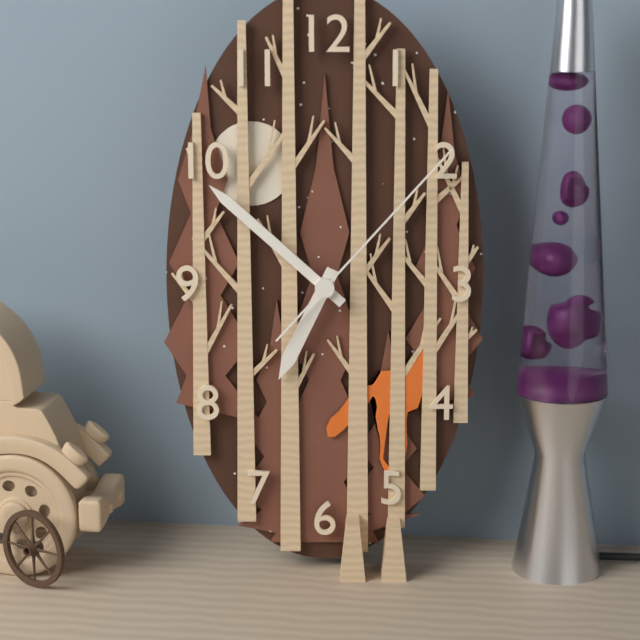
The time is h=6 m=52 s=7
